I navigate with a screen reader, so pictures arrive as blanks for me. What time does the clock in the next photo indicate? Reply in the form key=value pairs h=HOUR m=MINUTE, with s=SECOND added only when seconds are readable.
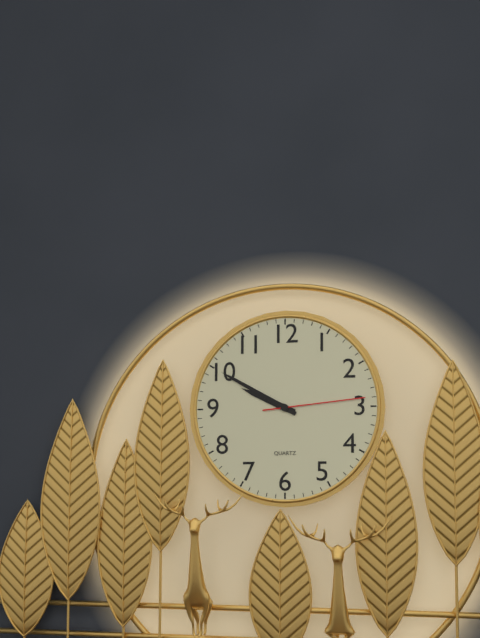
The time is h=9 m=50 s=14
